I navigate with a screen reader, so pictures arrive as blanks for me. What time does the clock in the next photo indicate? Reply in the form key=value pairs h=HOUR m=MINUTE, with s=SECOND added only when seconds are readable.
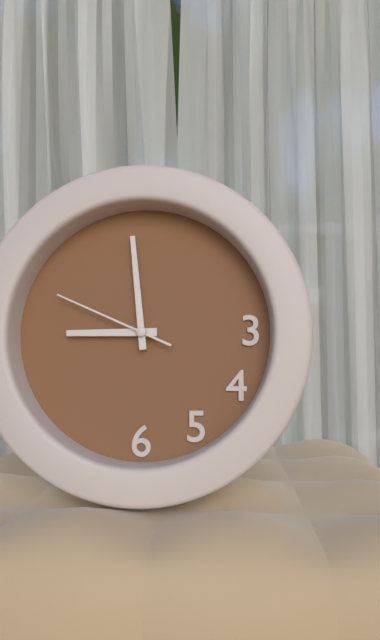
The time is h=8 m=59 s=49
